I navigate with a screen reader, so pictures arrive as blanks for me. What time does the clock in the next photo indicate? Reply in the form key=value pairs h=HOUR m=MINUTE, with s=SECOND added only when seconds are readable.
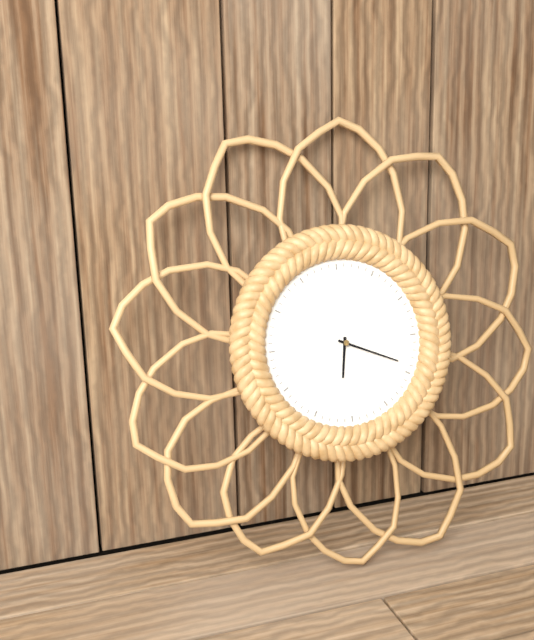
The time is h=6 m=19
